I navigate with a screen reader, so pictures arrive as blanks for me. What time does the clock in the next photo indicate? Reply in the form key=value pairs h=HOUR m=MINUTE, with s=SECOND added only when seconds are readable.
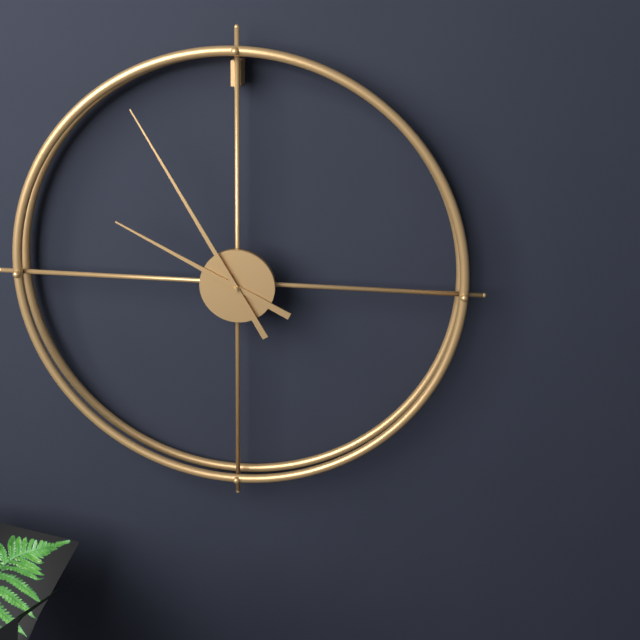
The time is h=9 m=55
